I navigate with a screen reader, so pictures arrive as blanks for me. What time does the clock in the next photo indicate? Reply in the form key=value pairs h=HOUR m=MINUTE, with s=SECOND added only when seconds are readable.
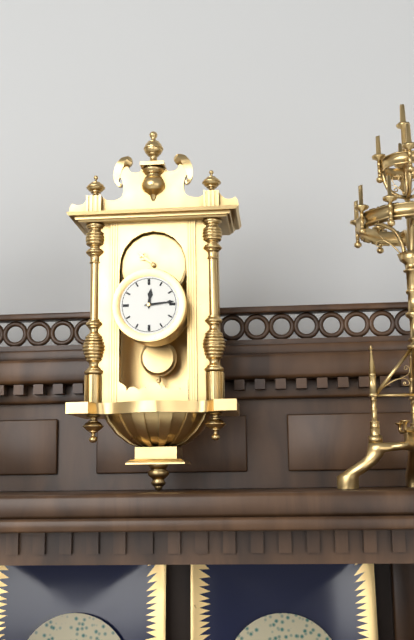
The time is h=12 m=14
